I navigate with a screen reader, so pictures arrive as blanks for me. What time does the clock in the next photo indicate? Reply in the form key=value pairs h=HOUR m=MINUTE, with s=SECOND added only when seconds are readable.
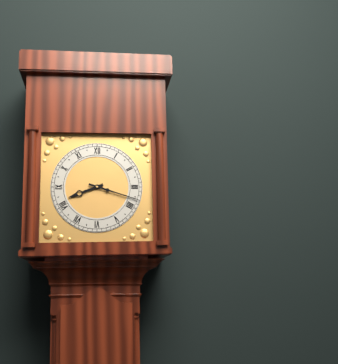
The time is h=8 m=18
